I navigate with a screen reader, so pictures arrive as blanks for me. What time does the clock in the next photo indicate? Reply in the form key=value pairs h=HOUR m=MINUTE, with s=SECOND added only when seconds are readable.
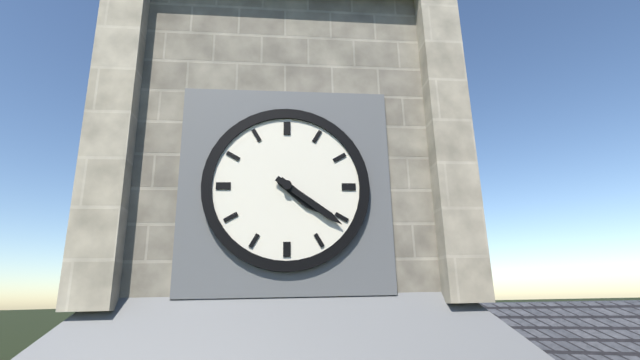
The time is h=4 m=21
